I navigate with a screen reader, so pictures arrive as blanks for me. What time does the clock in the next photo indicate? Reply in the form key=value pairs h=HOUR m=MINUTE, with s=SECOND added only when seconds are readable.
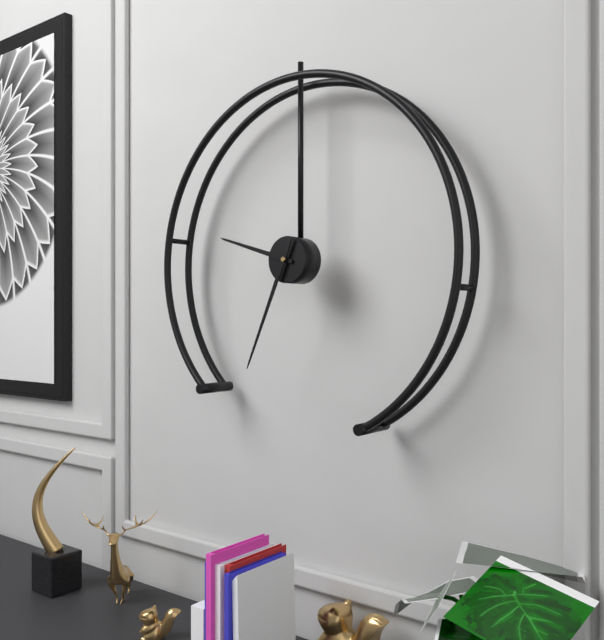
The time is h=9 m=34
